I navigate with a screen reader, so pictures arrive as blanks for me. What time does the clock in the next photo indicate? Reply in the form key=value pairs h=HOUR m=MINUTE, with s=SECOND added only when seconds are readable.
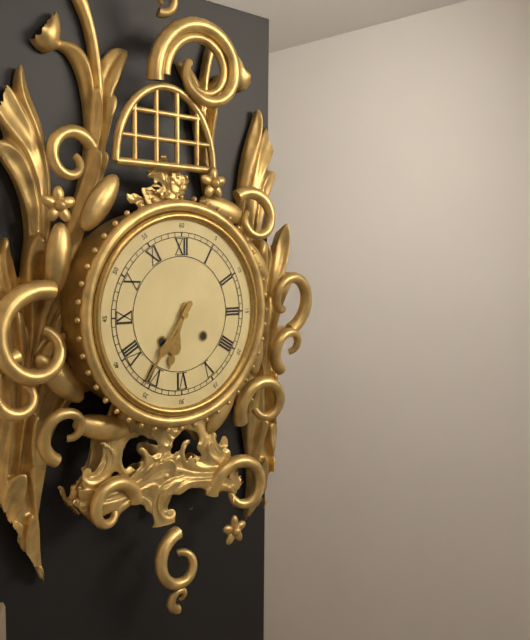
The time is h=6 m=36
